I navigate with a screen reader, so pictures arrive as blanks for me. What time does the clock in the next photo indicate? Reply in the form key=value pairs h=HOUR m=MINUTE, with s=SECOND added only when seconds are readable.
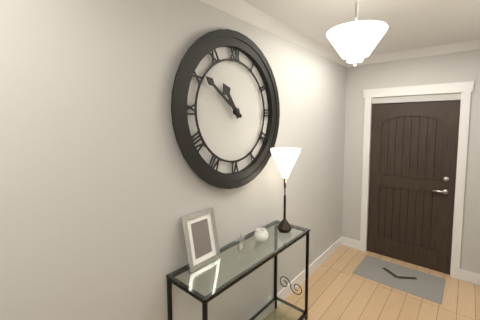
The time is h=10 m=51
